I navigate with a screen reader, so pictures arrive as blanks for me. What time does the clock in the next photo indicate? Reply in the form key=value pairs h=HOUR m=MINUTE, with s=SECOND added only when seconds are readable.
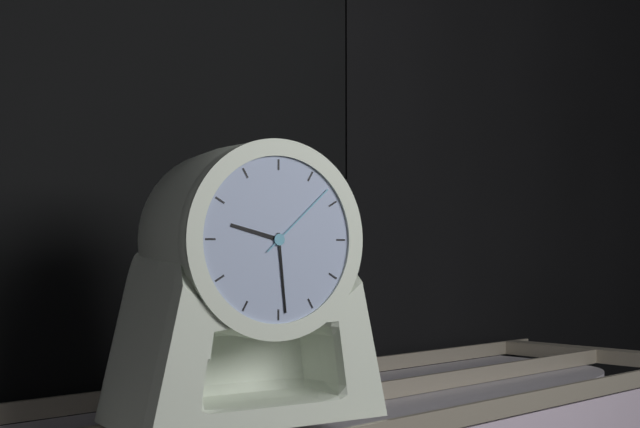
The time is h=9 m=29 s=8
